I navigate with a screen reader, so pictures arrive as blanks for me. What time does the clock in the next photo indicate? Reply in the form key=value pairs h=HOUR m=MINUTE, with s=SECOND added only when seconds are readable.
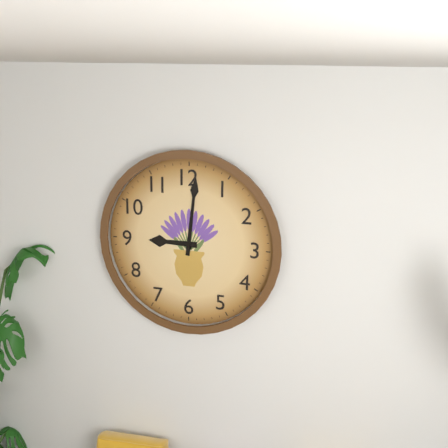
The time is h=9 m=1
